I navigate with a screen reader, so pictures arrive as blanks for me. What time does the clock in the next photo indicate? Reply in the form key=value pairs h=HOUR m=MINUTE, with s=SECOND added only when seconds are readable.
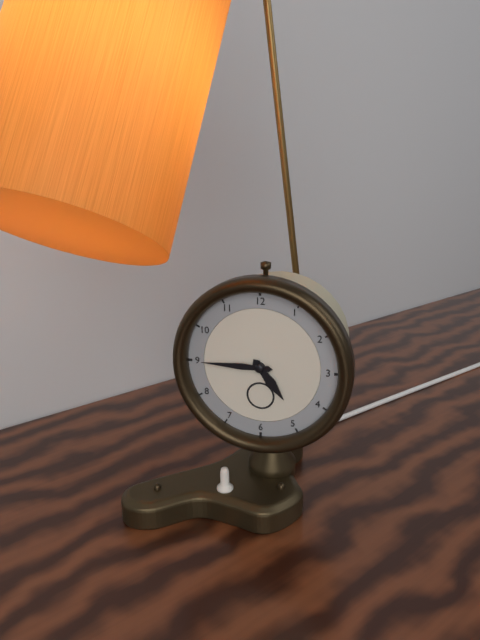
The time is h=4 m=45
